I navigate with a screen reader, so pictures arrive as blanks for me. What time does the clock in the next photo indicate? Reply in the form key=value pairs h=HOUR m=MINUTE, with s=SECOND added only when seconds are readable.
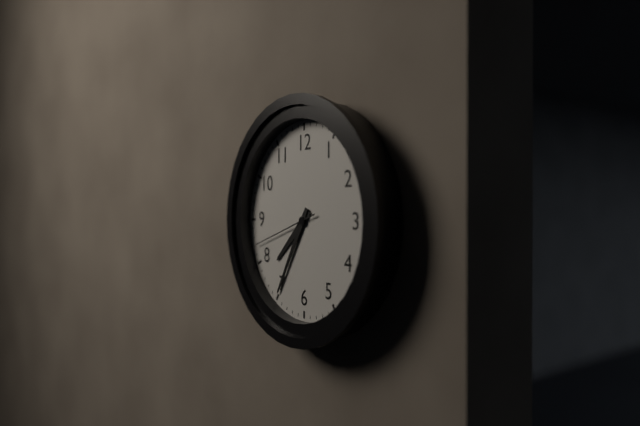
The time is h=7 m=35 s=42
